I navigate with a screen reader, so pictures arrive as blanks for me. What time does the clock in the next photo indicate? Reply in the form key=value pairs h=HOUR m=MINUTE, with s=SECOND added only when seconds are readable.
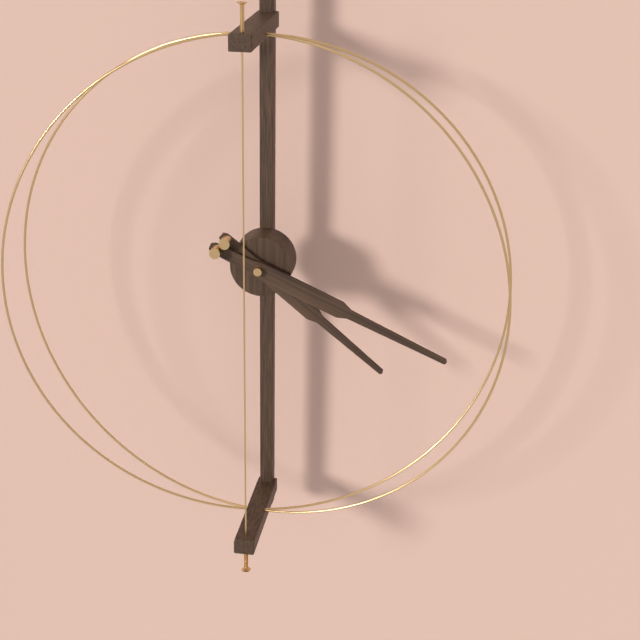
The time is h=4 m=19
